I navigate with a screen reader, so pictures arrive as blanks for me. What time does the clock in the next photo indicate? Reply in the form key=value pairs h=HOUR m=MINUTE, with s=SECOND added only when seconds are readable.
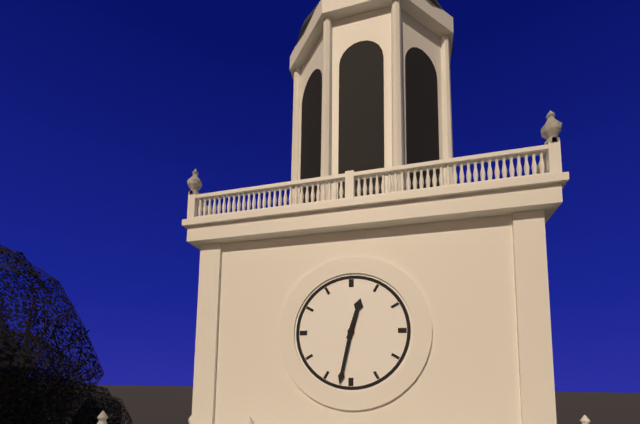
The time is h=12 m=32
